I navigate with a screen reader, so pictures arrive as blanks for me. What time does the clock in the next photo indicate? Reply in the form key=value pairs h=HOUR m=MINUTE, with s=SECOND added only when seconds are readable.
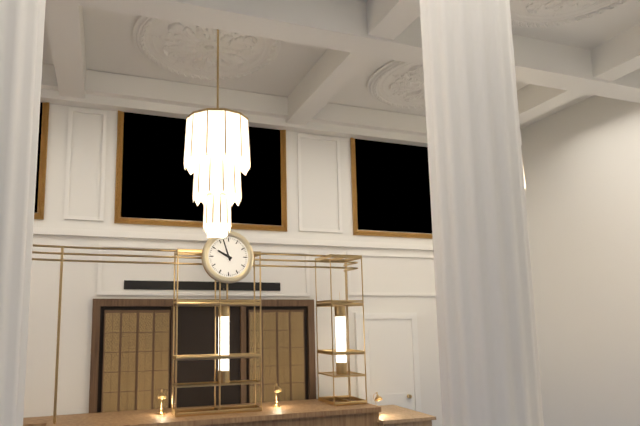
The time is h=9 m=57
